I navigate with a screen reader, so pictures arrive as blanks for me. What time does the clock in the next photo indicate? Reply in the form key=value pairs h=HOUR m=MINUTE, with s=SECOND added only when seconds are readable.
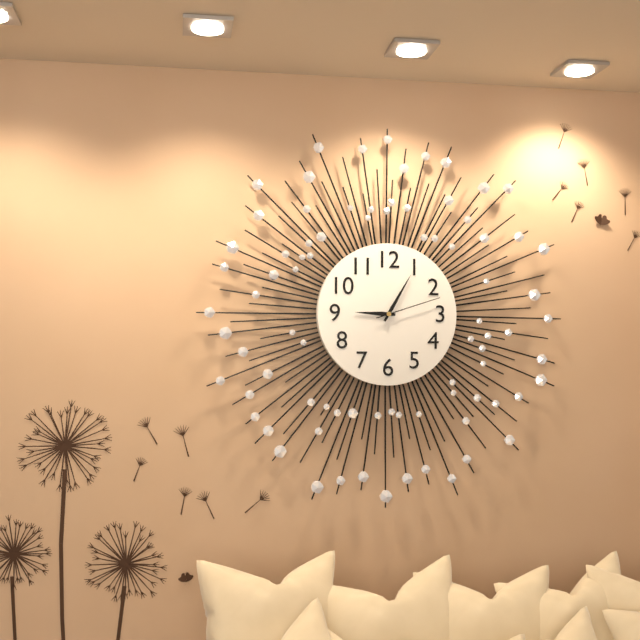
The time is h=9 m=5 s=12
